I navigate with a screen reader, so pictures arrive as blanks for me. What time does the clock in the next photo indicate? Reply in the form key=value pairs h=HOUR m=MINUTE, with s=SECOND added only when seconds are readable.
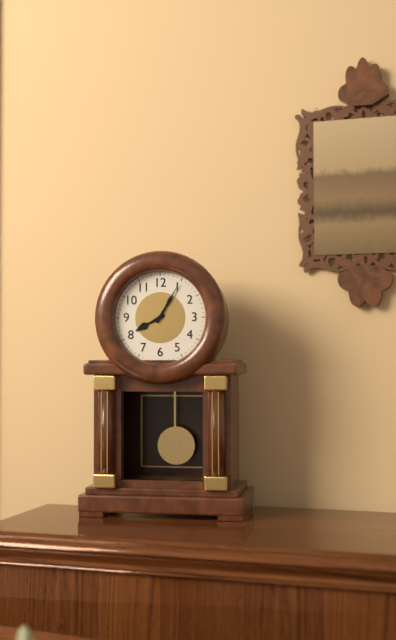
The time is h=8 m=5
